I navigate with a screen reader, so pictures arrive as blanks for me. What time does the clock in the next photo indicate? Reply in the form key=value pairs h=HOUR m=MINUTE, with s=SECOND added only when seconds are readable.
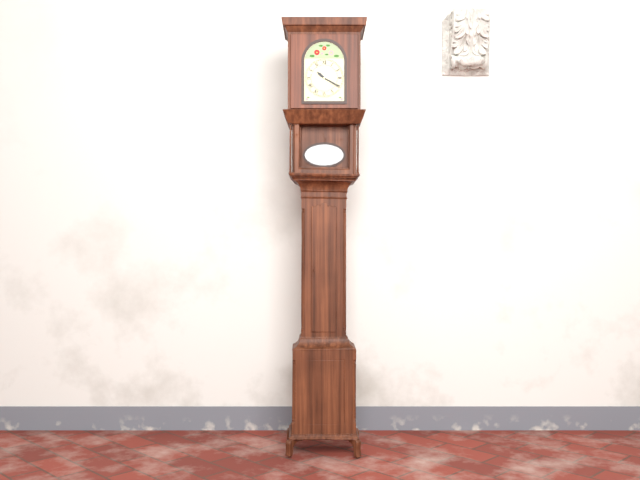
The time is h=10 m=20
